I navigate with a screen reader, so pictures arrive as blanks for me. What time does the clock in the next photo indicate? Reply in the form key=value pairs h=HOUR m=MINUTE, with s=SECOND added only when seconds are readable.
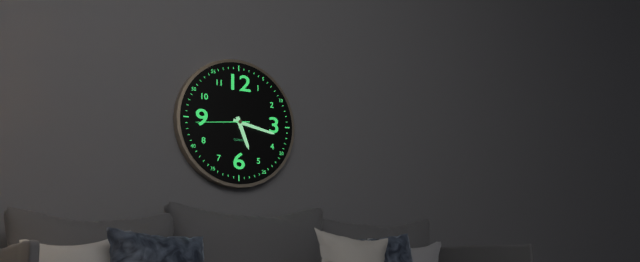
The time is h=5 m=17 s=44
